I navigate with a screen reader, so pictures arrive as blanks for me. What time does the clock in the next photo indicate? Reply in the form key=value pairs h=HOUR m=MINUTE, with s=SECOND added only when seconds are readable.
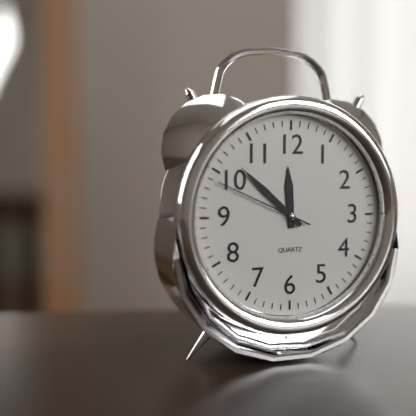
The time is h=11 m=52 s=49
